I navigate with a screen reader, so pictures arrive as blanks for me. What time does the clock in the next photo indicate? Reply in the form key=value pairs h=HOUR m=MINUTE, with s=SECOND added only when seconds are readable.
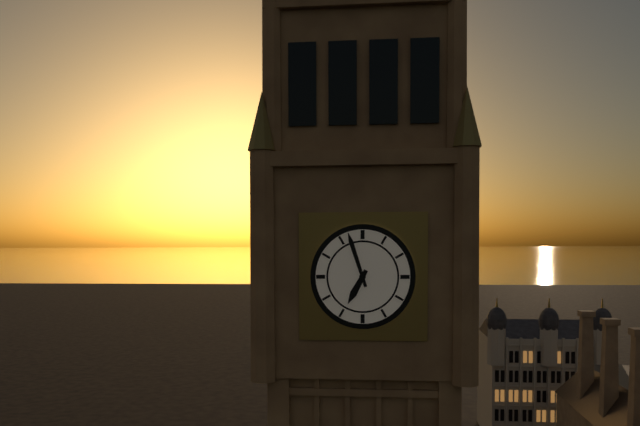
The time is h=6 m=57
